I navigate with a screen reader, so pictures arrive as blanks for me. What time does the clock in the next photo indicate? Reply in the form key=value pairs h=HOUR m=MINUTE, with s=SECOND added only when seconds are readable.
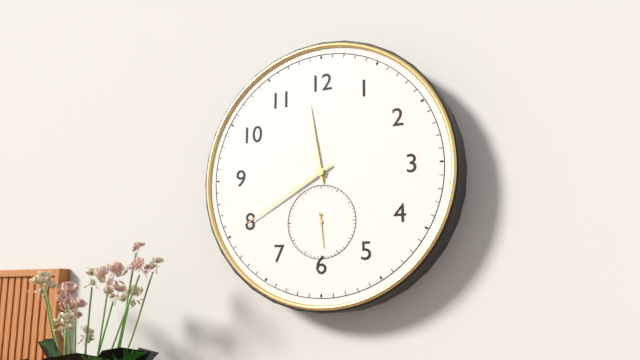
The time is h=11 m=40
